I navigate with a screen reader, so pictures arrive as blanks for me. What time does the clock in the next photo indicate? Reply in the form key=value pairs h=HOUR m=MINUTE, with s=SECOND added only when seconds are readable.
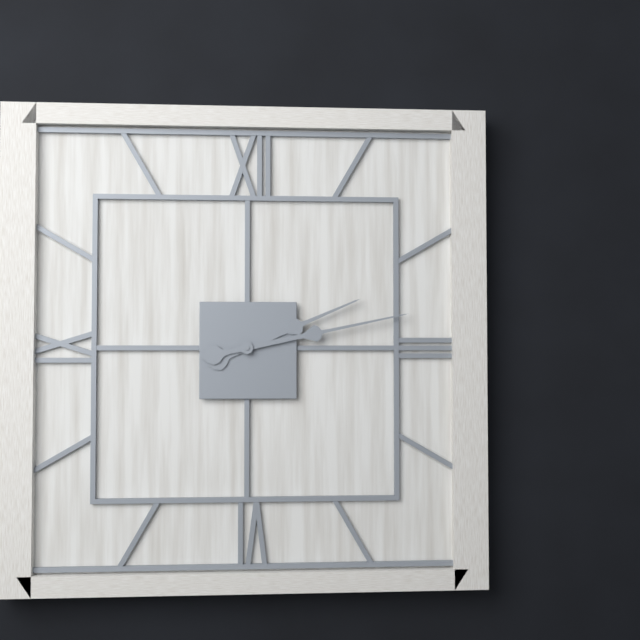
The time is h=2 m=13
